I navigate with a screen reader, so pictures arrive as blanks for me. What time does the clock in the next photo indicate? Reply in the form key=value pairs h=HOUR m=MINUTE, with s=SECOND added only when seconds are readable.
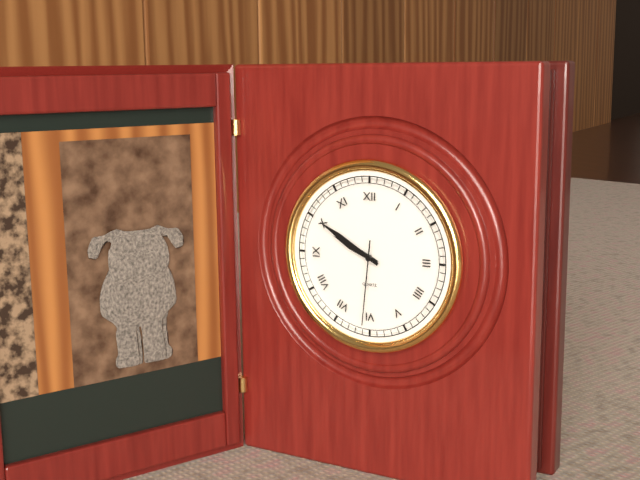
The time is h=9 m=50 s=31
